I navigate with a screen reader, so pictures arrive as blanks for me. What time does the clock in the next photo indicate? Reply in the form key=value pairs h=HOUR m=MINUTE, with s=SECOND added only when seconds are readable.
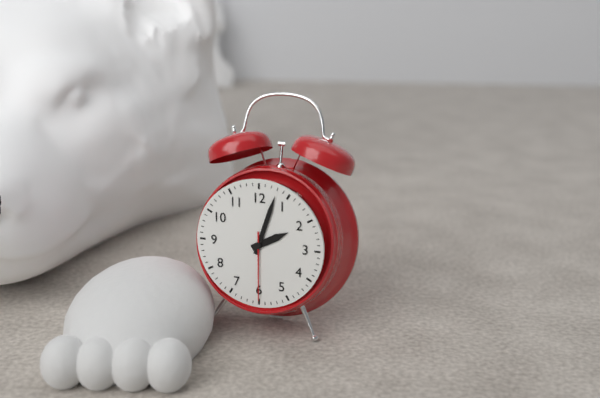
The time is h=2 m=3 s=30
